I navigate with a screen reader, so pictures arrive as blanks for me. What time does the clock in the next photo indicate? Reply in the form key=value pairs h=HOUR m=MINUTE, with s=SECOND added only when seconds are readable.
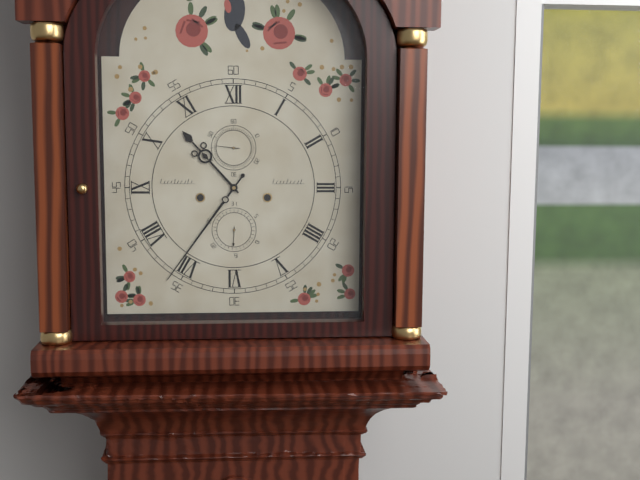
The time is h=10 m=36
